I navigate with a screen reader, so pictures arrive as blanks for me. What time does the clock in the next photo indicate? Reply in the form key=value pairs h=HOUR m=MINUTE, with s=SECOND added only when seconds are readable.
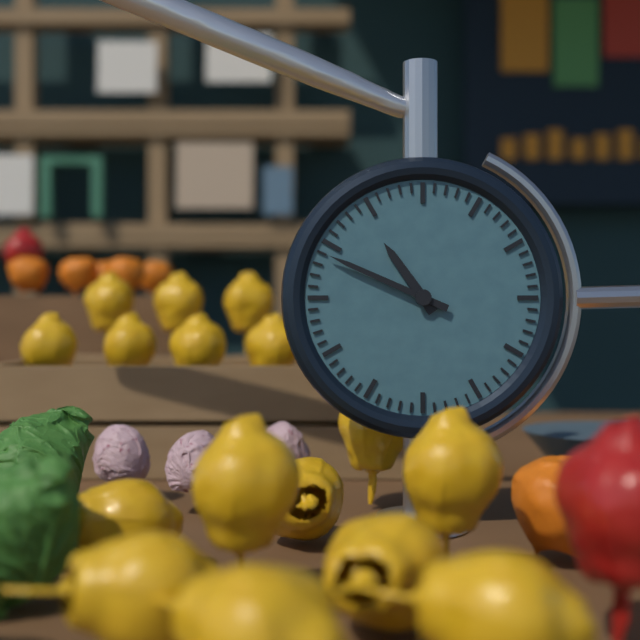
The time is h=10 m=49
